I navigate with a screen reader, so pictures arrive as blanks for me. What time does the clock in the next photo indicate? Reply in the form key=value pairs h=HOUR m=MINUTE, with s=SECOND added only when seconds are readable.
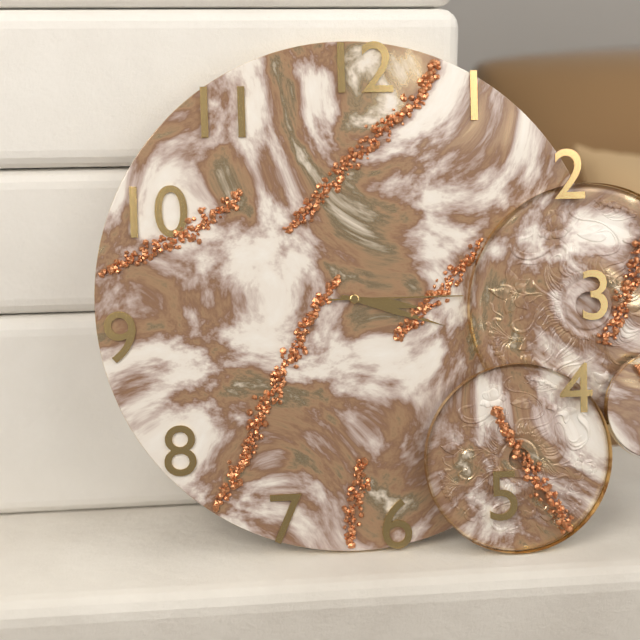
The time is h=3 m=18 s=15
